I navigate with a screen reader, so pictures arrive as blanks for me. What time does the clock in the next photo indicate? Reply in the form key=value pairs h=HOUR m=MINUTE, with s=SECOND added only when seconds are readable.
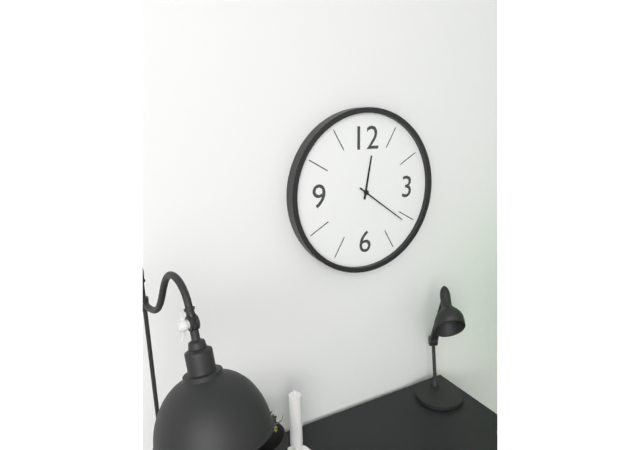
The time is h=12 m=21
